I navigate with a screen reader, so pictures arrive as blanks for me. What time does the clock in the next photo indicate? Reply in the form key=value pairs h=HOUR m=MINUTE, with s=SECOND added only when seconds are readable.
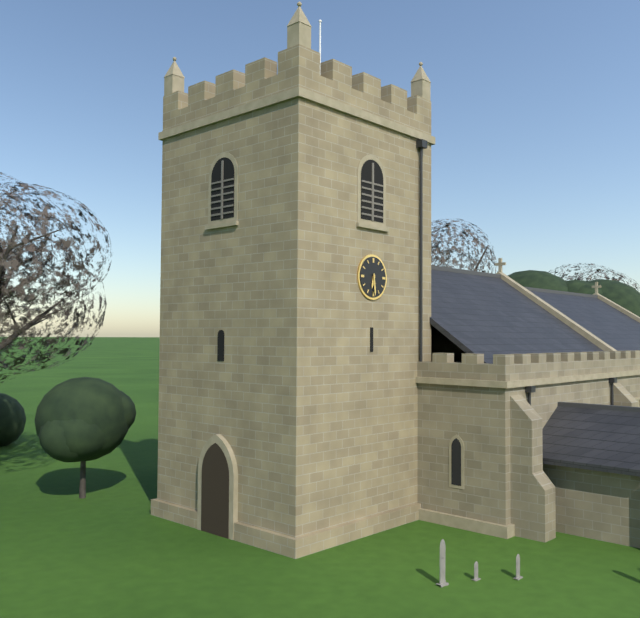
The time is h=6 m=29
